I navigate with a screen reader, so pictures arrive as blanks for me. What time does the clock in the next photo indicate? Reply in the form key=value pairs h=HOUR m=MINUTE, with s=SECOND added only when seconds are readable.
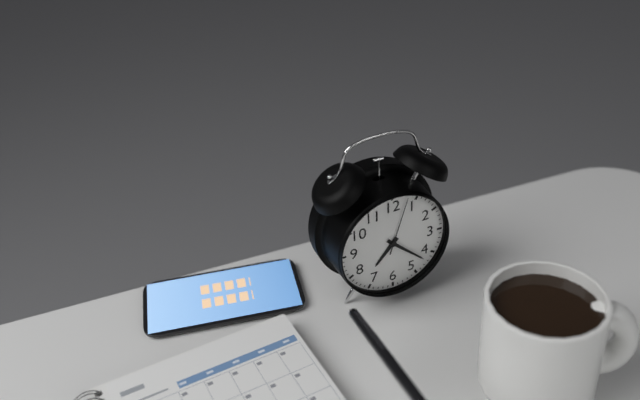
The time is h=7 m=22 s=3
